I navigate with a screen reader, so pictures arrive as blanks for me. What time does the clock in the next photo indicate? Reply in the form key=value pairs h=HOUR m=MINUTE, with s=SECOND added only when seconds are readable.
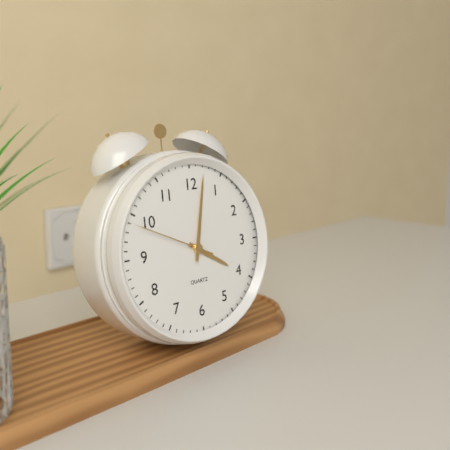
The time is h=4 m=2 s=49
